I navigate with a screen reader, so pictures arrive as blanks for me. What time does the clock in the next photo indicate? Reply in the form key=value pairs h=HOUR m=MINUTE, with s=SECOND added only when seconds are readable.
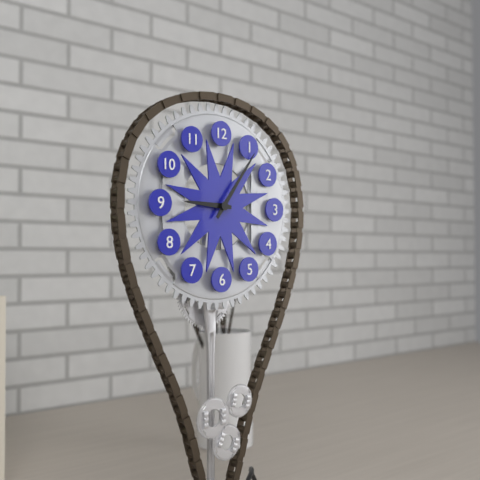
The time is h=9 m=6
